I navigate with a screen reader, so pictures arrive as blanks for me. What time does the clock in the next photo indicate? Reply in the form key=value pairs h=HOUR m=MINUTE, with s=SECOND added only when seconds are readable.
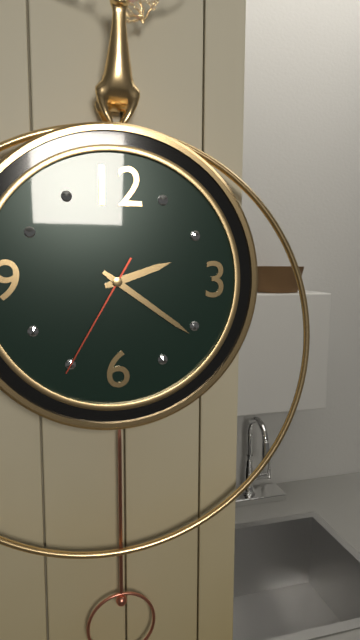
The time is h=2 m=21 s=35
